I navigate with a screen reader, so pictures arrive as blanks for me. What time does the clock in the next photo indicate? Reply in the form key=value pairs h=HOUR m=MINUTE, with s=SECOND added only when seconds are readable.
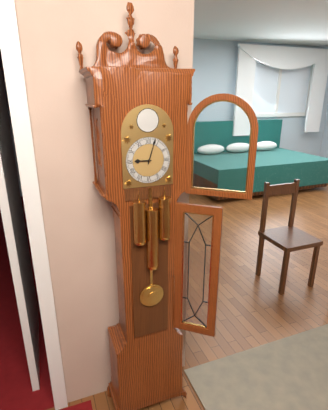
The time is h=9 m=3
